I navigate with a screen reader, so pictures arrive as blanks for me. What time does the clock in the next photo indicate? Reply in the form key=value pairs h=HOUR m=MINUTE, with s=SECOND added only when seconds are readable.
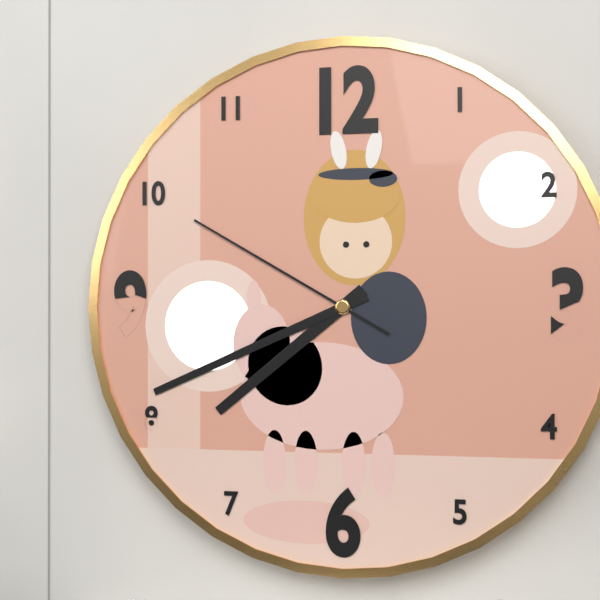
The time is h=7 m=41 s=50
